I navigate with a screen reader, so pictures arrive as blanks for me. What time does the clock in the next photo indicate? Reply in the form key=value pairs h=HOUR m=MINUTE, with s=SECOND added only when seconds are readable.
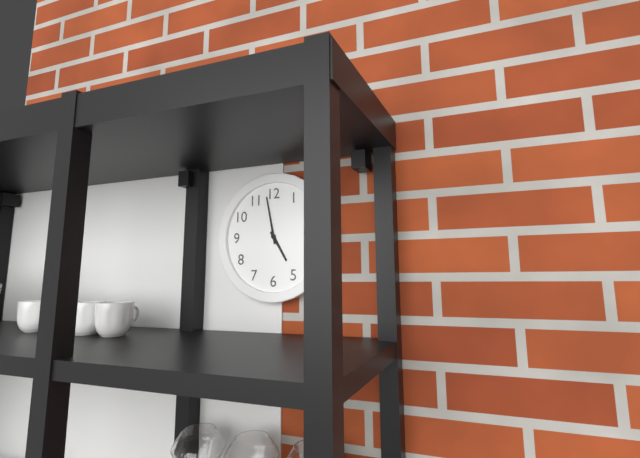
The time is h=4 m=58
